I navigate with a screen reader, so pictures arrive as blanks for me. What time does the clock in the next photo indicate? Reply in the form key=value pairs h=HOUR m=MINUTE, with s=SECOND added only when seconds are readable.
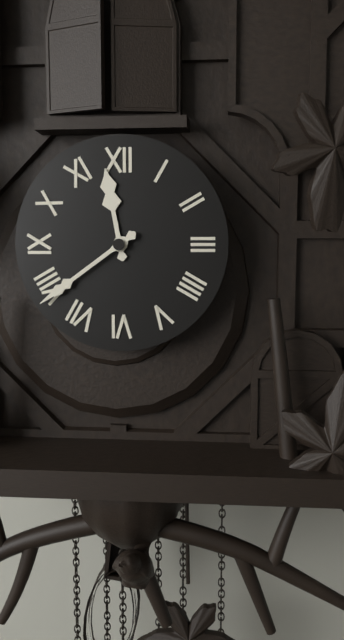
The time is h=11 m=39
